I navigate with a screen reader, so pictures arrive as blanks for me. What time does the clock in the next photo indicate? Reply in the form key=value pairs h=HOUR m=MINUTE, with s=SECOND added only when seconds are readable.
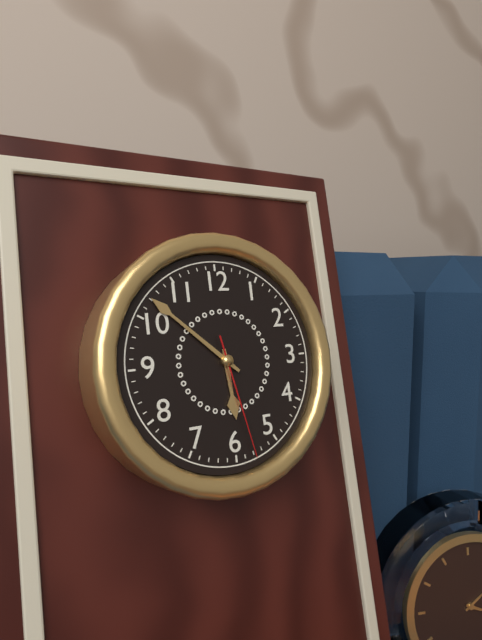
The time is h=5 m=52 s=28
